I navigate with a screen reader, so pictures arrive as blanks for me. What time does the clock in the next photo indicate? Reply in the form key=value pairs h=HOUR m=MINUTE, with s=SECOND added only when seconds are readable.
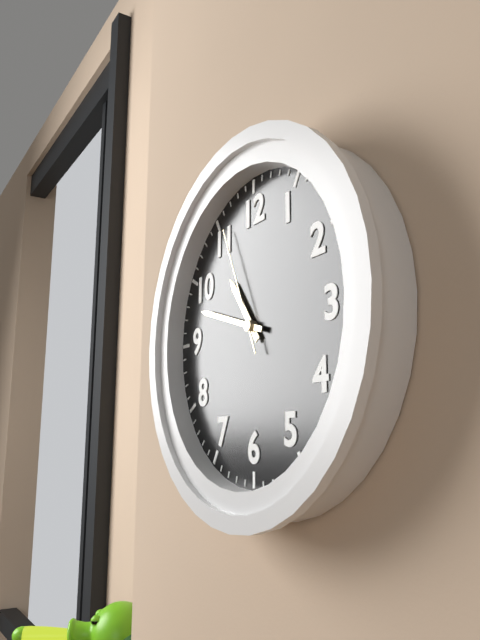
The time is h=10 m=48 s=56
